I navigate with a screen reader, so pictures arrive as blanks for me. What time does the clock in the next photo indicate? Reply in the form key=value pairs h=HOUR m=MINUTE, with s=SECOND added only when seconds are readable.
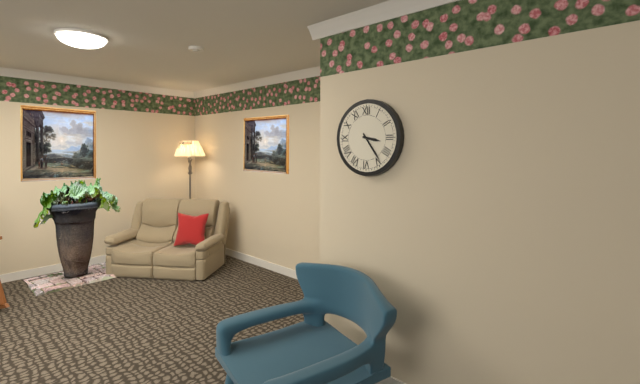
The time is h=3 m=24
